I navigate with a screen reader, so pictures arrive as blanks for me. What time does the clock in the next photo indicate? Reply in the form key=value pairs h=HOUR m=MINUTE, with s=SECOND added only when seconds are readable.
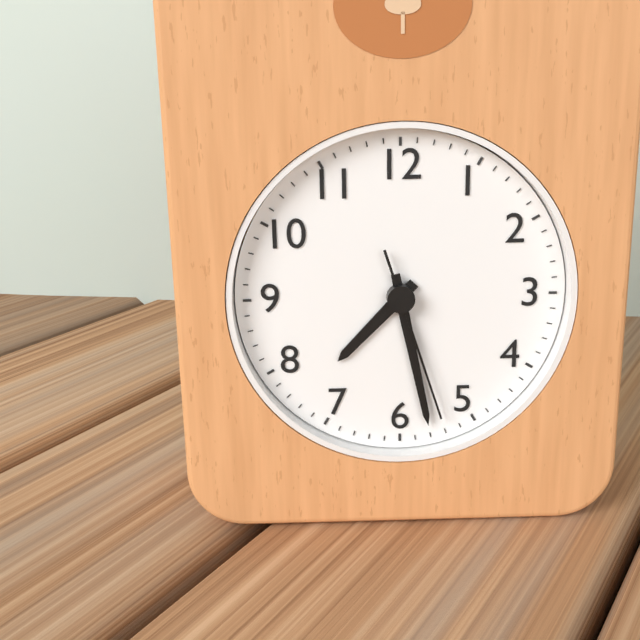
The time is h=7 m=28 s=27
